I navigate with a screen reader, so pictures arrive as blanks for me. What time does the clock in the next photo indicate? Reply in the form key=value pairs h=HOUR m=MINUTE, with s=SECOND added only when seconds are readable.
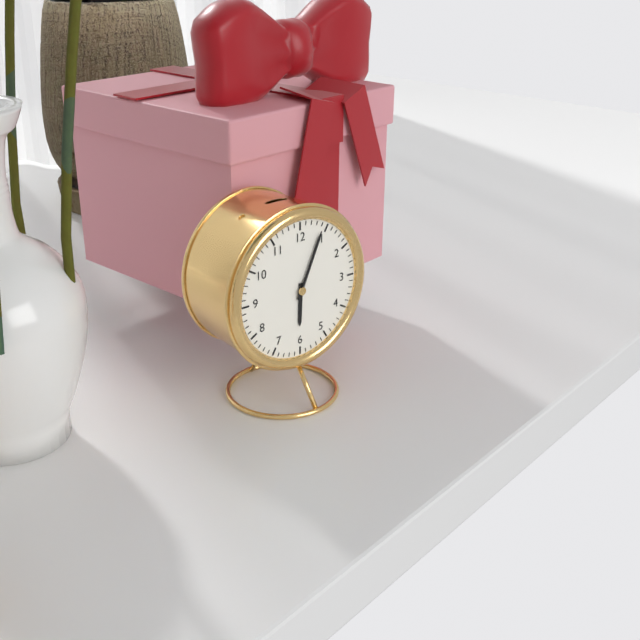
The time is h=6 m=4
